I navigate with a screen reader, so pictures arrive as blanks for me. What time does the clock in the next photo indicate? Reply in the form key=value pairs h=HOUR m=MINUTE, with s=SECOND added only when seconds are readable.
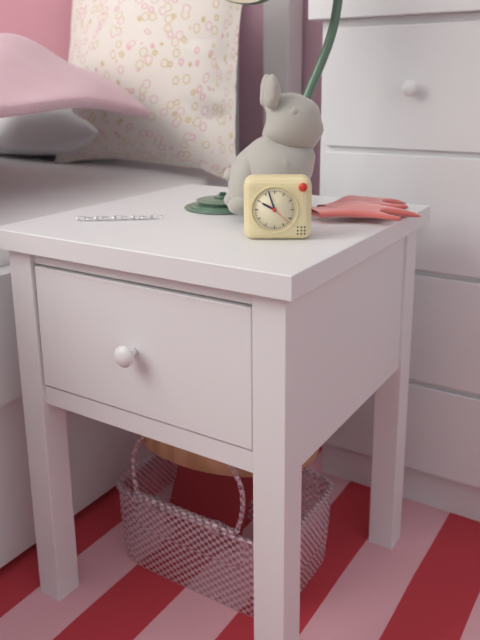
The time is h=9 m=57
